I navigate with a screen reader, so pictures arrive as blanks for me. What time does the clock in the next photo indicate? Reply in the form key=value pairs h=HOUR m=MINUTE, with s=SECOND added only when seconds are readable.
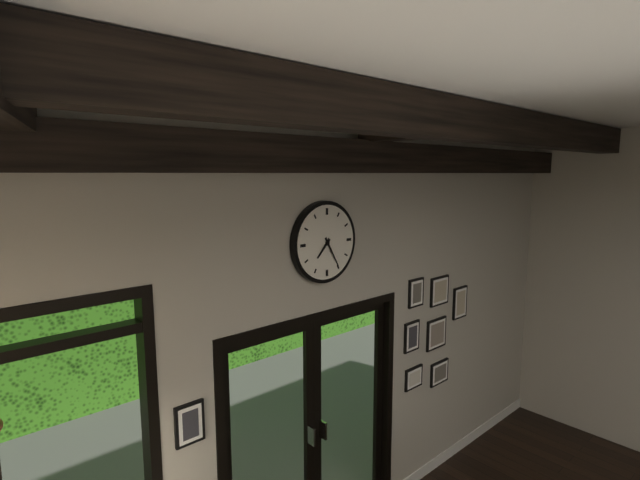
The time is h=7 m=25
